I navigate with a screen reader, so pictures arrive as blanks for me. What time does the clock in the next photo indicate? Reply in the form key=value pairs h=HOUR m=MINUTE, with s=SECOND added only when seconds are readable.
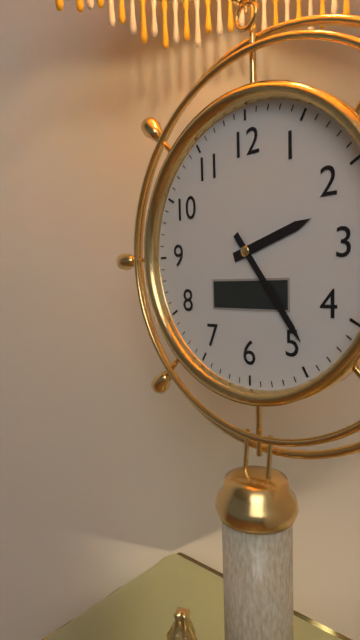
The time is h=2 m=24
